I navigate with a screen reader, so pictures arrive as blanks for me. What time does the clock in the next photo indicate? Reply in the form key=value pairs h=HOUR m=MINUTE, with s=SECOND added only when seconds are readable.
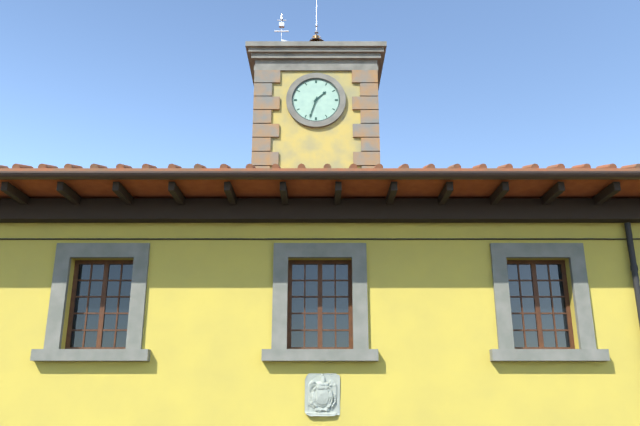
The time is h=1 m=33
